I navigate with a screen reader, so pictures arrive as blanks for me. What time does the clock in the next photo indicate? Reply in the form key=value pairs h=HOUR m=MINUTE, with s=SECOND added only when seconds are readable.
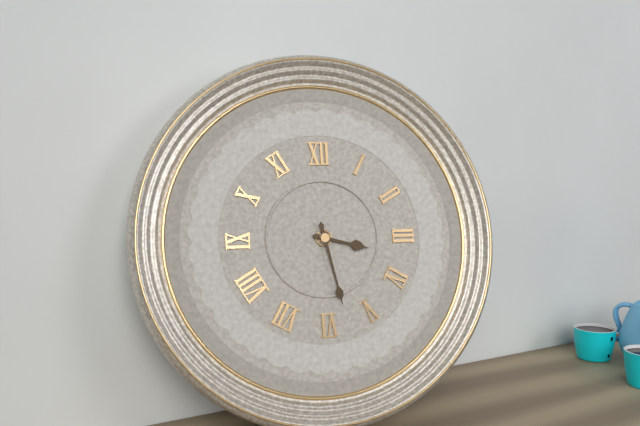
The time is h=3 m=28
